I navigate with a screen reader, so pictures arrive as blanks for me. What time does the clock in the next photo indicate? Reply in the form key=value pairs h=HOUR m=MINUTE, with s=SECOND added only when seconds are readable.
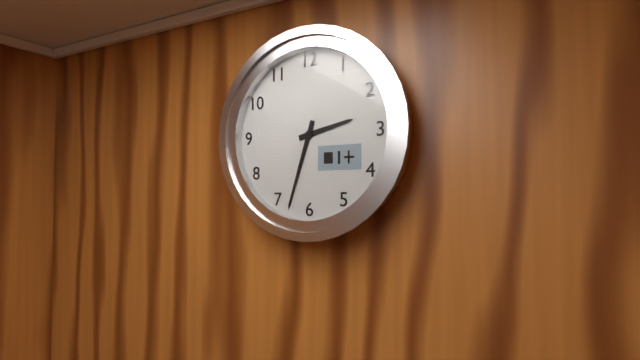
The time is h=2 m=33
